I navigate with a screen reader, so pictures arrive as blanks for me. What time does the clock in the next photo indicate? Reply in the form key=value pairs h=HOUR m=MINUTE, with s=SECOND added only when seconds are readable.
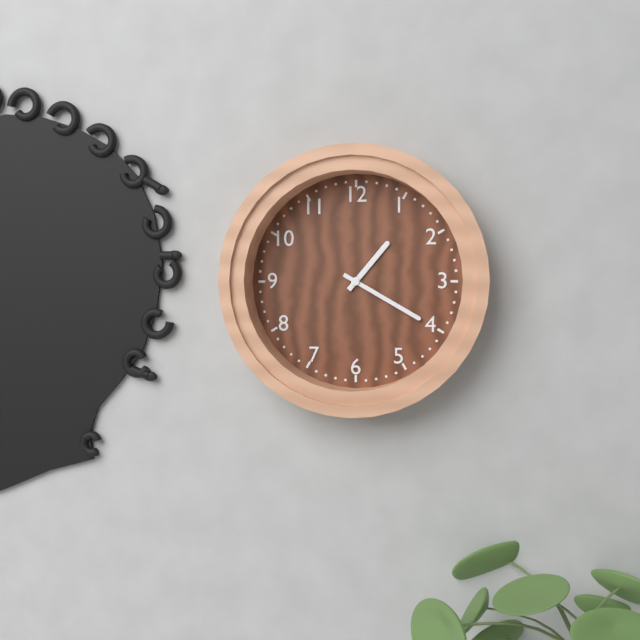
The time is h=1 m=20
